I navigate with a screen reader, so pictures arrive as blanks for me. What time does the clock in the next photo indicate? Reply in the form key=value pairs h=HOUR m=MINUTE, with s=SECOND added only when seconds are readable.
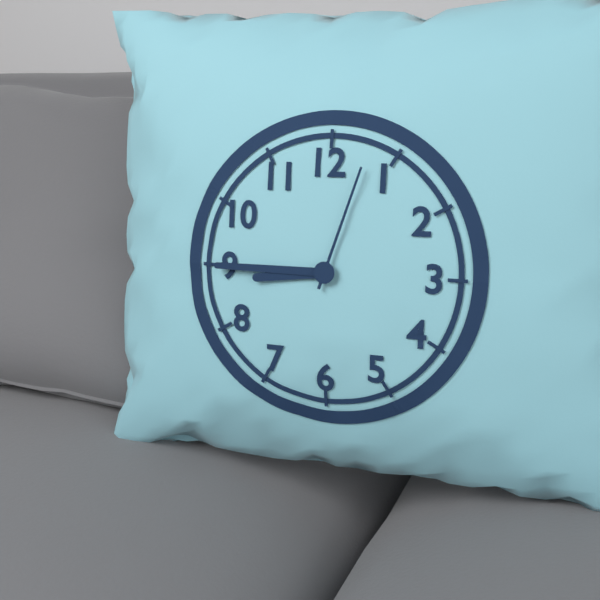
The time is h=8 m=45 s=3
